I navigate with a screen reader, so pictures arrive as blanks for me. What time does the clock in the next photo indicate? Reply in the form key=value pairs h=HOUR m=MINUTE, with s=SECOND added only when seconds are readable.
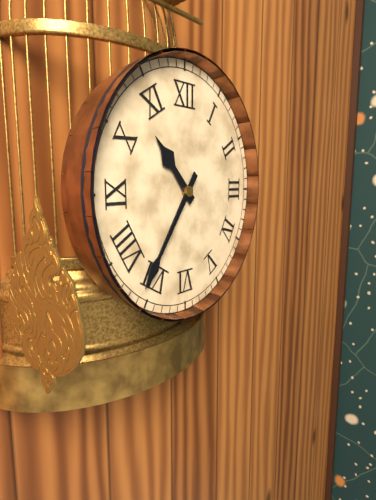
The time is h=10 m=36
